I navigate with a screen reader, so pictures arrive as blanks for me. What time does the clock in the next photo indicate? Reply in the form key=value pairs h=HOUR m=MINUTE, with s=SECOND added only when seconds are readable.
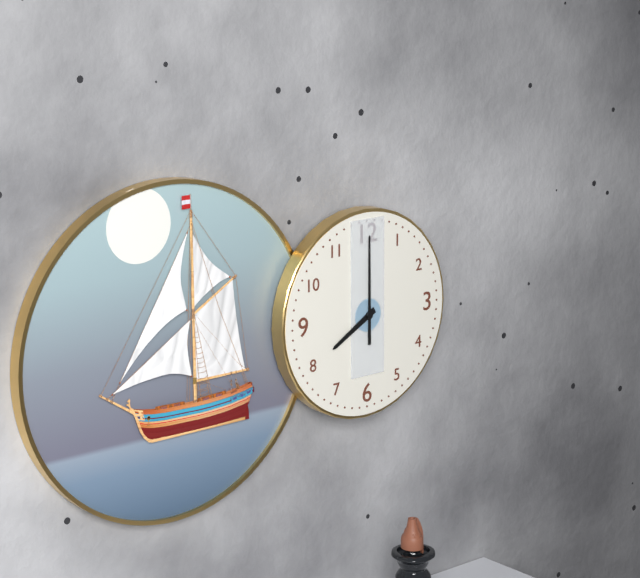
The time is h=8 m=0
